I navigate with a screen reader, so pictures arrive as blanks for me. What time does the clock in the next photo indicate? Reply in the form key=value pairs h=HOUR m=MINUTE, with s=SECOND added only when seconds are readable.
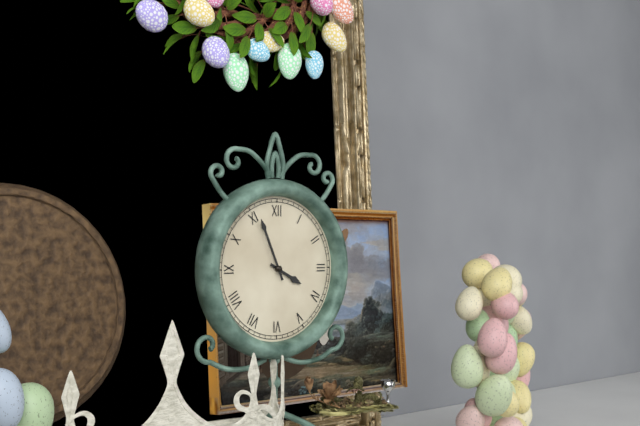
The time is h=3 m=56
